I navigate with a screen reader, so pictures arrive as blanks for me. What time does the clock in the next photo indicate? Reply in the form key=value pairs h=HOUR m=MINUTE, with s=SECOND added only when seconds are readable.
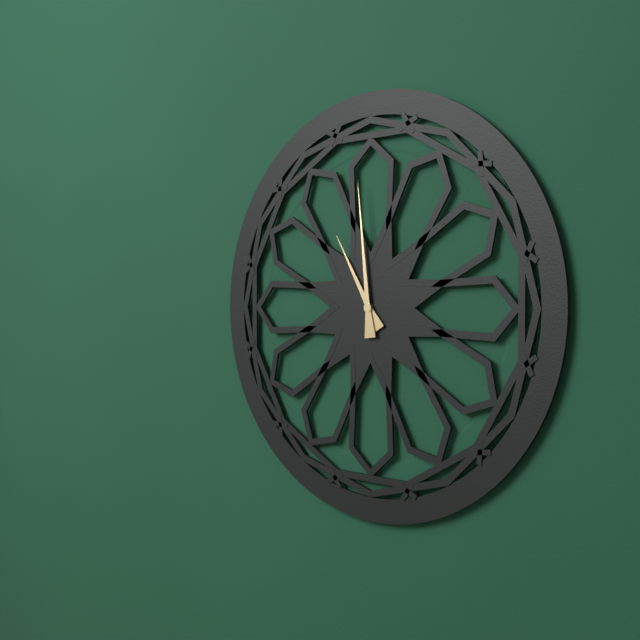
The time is h=10 m=59
